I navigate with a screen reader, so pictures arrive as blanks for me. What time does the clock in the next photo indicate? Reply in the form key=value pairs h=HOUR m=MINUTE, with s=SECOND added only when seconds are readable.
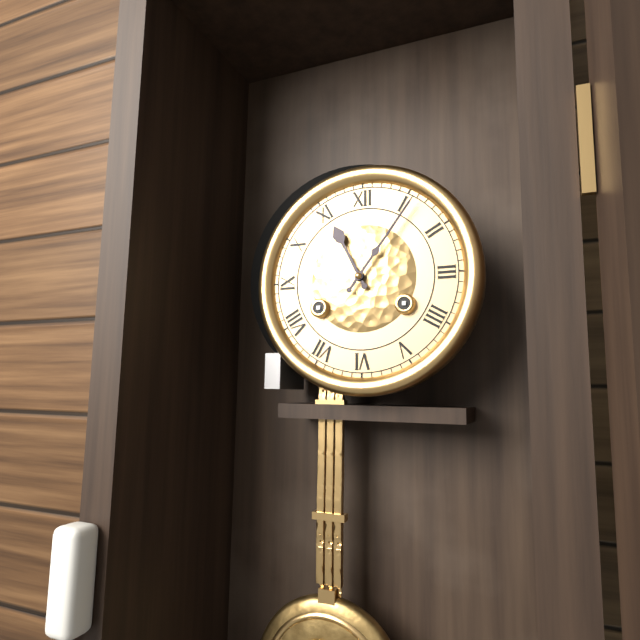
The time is h=11 m=6
